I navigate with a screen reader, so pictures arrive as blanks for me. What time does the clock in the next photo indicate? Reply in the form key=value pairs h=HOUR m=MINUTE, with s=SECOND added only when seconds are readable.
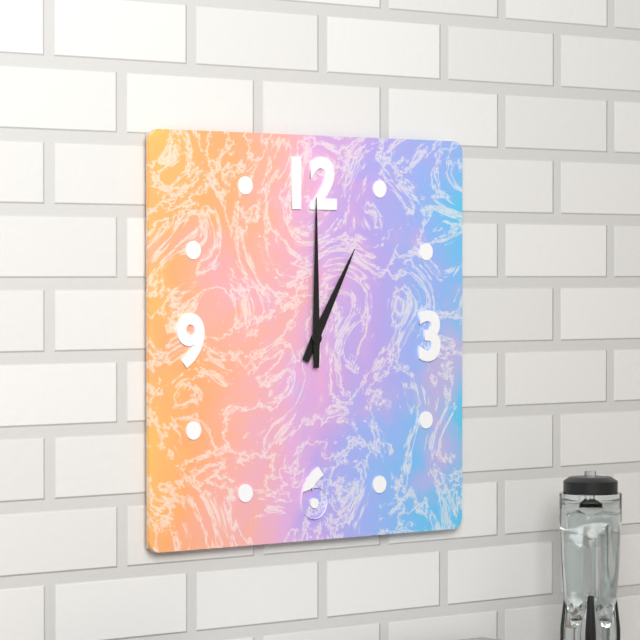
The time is h=1 m=0
